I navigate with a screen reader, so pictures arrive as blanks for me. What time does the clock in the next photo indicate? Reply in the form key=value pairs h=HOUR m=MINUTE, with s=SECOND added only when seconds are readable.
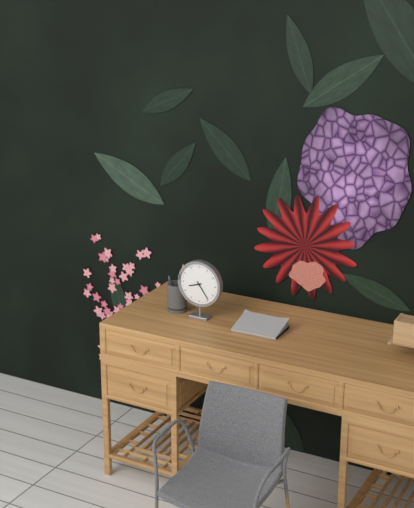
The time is h=8 m=24
